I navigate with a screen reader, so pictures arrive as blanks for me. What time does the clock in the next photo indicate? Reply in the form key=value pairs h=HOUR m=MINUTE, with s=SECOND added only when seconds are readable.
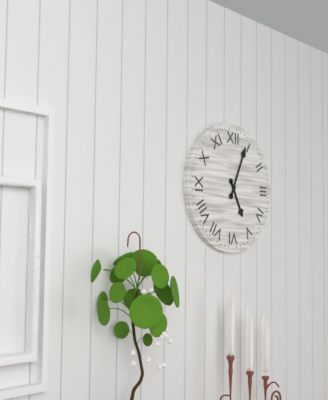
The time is h=5 m=4
